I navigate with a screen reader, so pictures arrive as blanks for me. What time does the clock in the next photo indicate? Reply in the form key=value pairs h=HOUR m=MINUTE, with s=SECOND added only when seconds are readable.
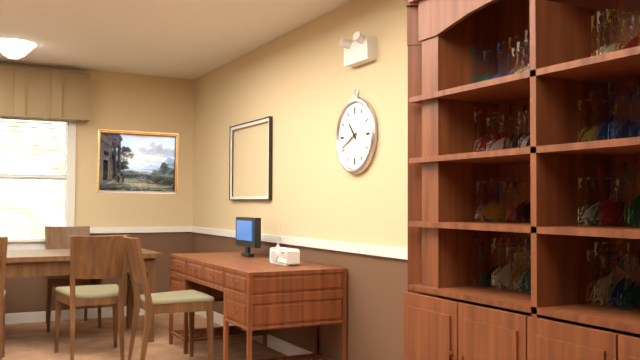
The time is h=10 m=41
